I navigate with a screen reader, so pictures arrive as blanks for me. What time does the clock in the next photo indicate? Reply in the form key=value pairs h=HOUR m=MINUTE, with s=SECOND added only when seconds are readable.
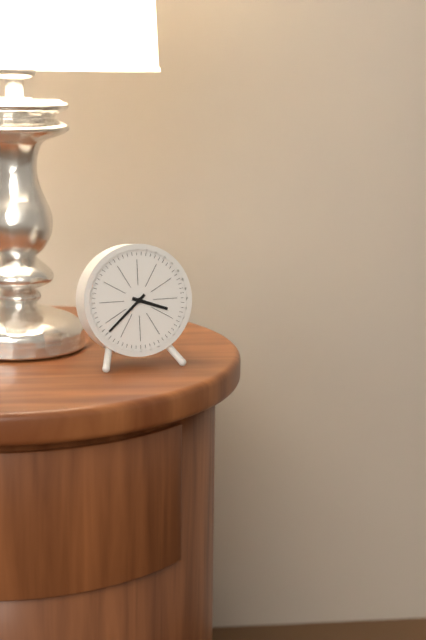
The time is h=3 m=38
